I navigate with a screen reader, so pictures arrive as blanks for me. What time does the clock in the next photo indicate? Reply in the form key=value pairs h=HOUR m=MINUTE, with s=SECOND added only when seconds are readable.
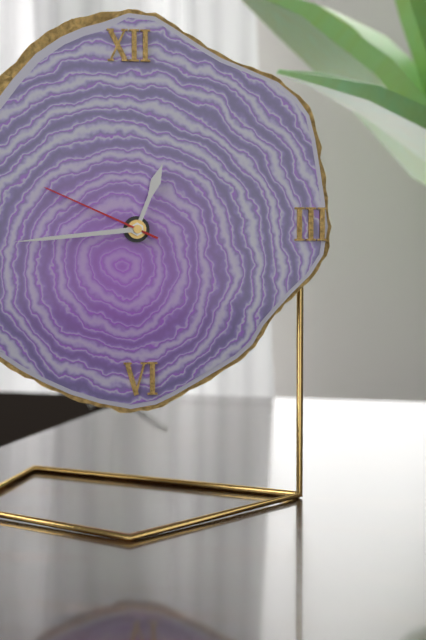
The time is h=12 m=44 s=49
